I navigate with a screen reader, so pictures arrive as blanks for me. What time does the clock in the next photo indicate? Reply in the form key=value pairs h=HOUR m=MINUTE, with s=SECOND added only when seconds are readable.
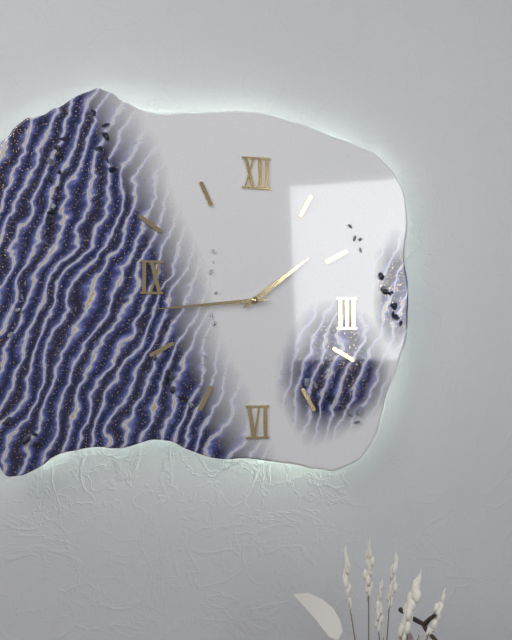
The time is h=1 m=44
